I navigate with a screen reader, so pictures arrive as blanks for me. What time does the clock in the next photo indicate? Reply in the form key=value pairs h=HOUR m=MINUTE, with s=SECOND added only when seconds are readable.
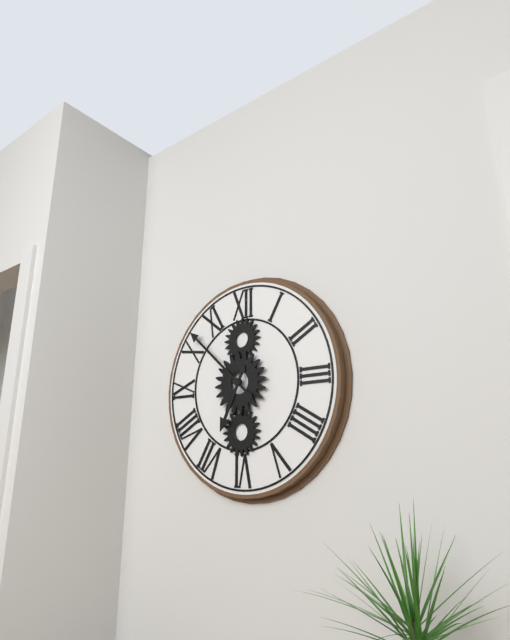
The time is h=6 m=52
